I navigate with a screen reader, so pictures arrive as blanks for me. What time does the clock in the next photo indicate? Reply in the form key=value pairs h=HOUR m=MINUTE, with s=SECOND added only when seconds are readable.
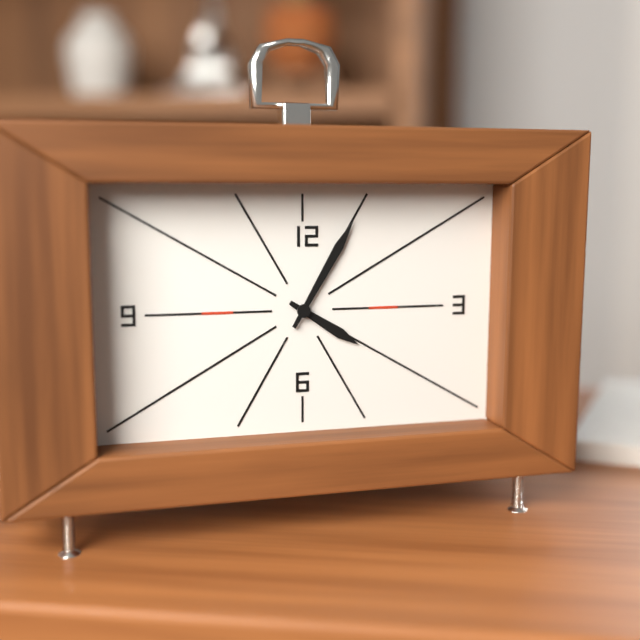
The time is h=4 m=5
